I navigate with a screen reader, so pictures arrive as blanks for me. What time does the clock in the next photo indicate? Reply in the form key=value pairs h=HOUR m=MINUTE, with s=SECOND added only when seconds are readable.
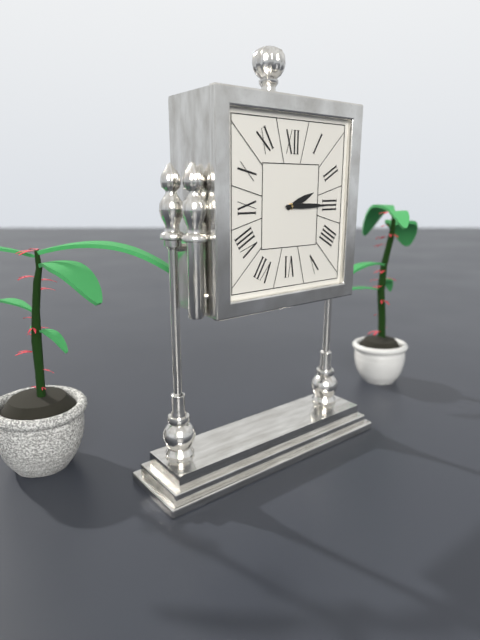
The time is h=2 m=15
